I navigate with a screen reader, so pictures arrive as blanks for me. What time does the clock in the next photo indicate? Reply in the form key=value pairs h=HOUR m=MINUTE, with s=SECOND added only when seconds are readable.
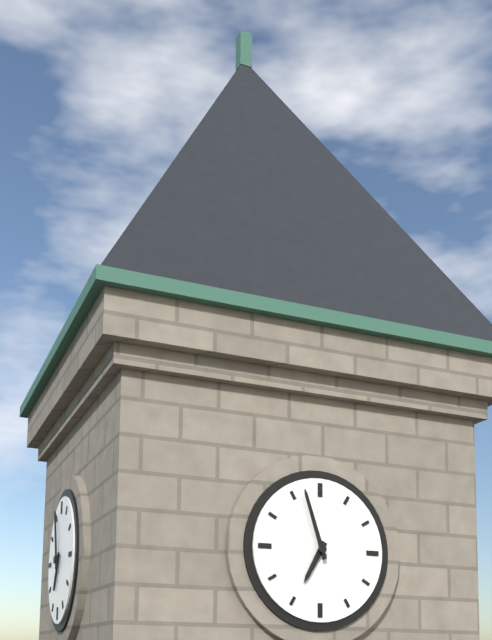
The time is h=6 m=57
